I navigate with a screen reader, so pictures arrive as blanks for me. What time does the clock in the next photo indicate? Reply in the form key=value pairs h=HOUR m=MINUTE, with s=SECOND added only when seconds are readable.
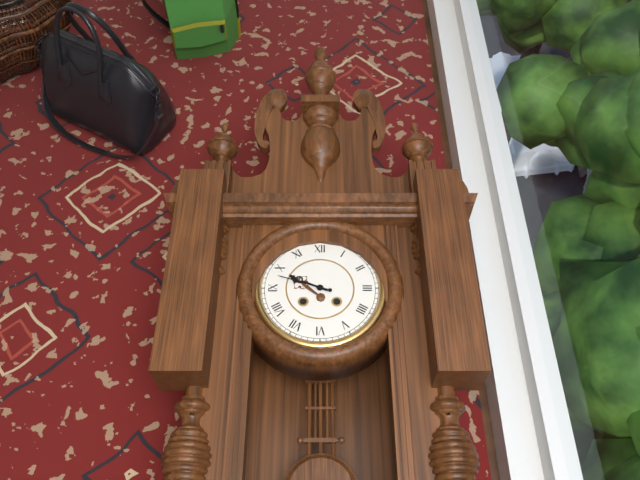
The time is h=9 m=48
